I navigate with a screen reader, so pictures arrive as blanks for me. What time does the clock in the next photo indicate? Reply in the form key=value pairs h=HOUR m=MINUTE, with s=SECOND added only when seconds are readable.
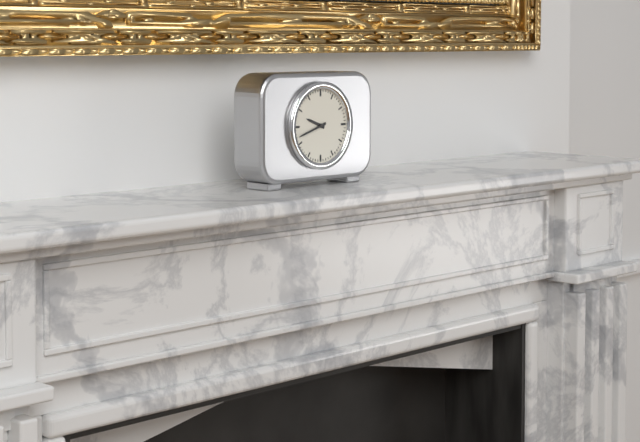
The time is h=9 m=42
